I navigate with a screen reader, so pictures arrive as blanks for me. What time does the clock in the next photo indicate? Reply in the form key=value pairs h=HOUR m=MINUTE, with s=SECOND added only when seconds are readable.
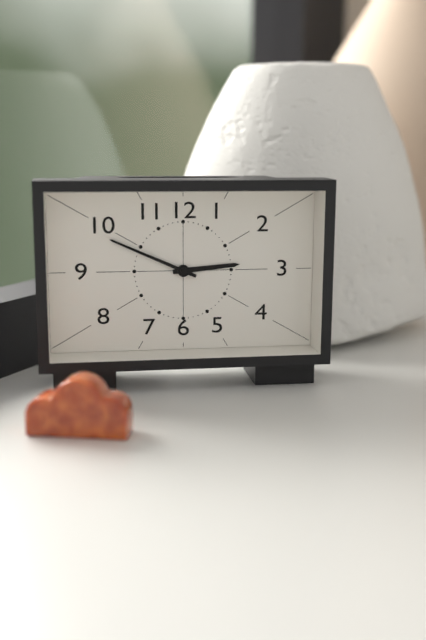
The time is h=2 m=49
